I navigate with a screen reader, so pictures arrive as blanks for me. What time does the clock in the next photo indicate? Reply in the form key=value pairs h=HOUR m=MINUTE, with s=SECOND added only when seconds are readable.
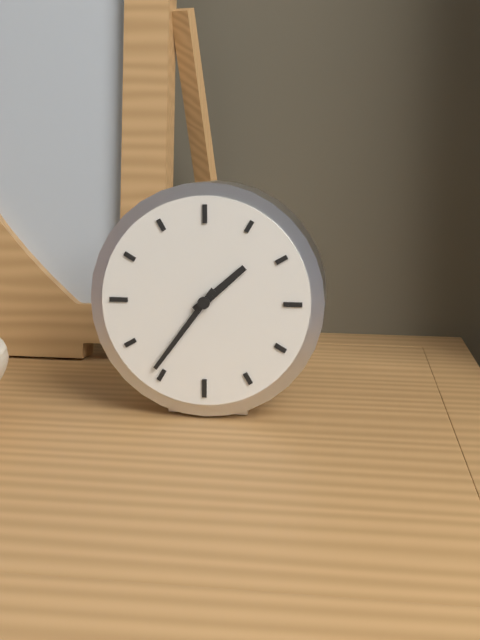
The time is h=1 m=36
